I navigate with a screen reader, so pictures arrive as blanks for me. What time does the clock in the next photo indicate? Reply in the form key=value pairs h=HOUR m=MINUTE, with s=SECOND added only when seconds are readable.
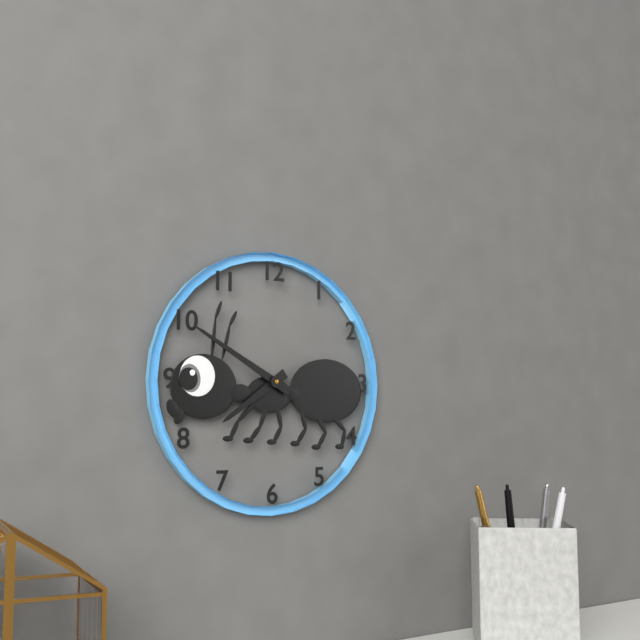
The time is h=7 m=50
